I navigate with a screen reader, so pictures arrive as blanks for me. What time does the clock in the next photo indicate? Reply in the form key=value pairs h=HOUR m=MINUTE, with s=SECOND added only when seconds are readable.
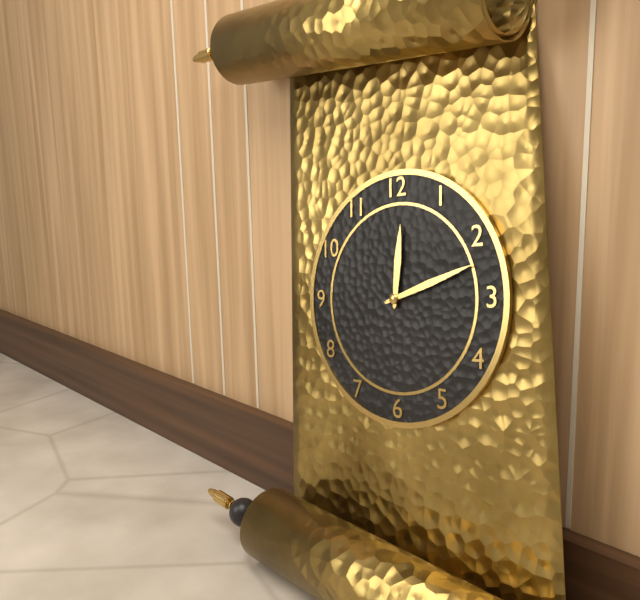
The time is h=12 m=12
